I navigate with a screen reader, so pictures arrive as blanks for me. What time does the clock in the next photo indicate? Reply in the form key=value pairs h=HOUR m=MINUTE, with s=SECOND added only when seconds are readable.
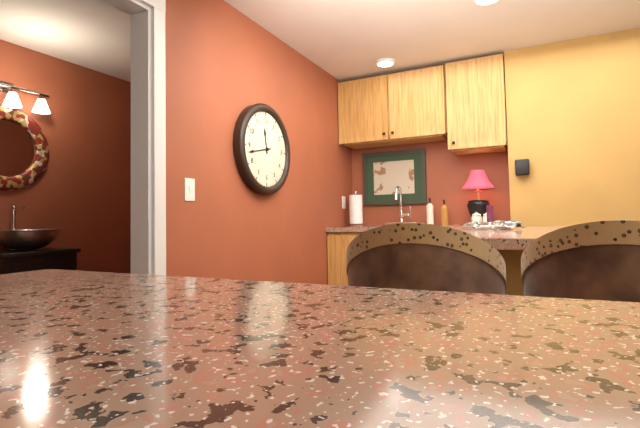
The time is h=11 m=43
